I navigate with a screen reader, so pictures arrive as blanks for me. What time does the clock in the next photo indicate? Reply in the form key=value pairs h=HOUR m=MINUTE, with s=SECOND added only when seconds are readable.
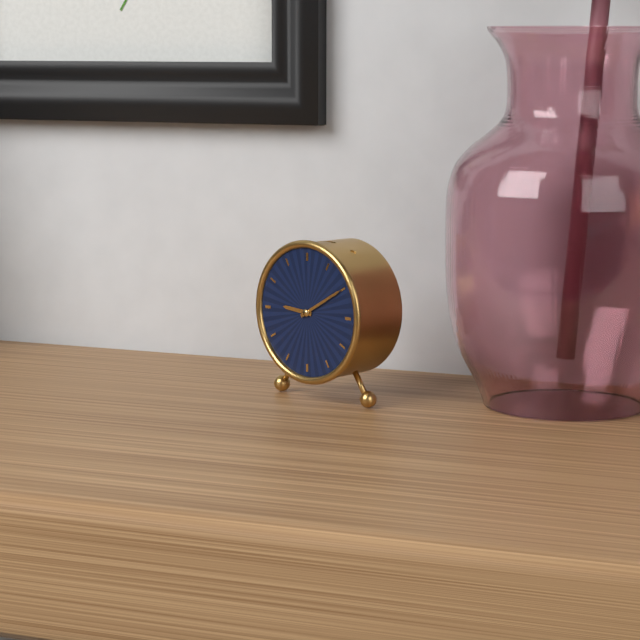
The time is h=9 m=10
